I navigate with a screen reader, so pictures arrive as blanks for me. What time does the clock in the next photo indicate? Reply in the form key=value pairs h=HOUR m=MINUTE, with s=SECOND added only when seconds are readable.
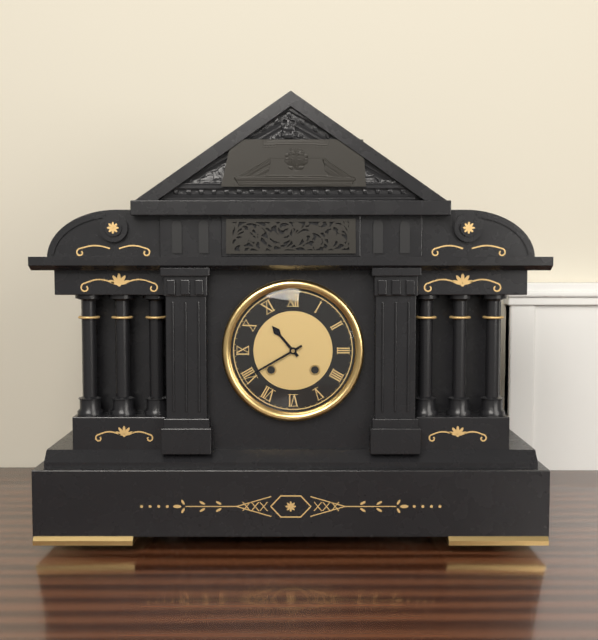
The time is h=10 m=40
